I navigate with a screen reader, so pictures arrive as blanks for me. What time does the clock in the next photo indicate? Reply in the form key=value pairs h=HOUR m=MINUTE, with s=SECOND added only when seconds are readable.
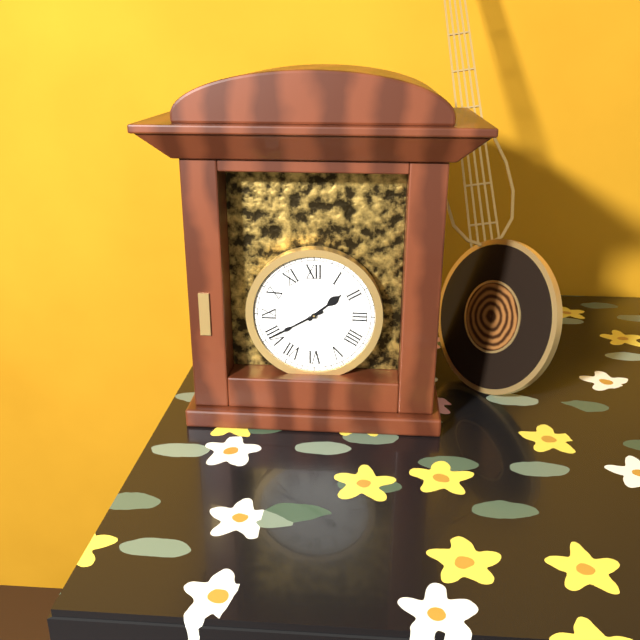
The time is h=1 m=40
